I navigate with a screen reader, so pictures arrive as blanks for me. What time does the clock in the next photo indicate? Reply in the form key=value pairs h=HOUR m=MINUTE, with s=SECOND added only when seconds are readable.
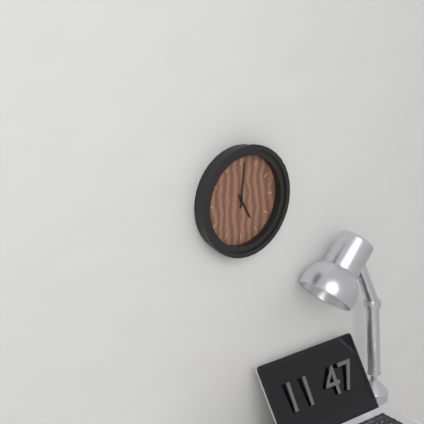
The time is h=5 m=1
